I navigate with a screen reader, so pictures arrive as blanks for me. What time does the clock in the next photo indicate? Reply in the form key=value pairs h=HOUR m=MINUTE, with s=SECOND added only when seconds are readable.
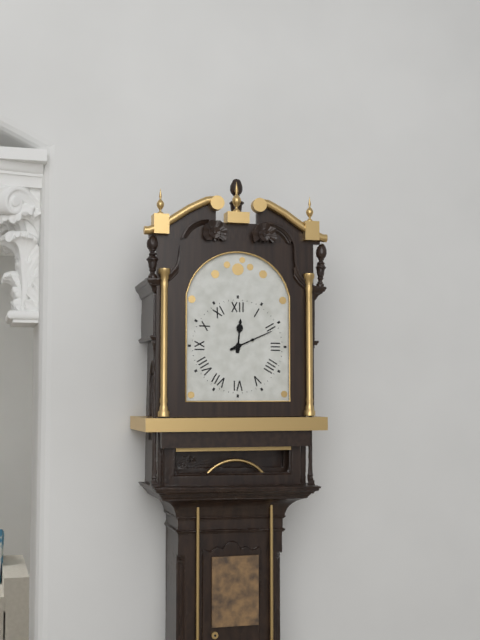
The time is h=12 m=11
